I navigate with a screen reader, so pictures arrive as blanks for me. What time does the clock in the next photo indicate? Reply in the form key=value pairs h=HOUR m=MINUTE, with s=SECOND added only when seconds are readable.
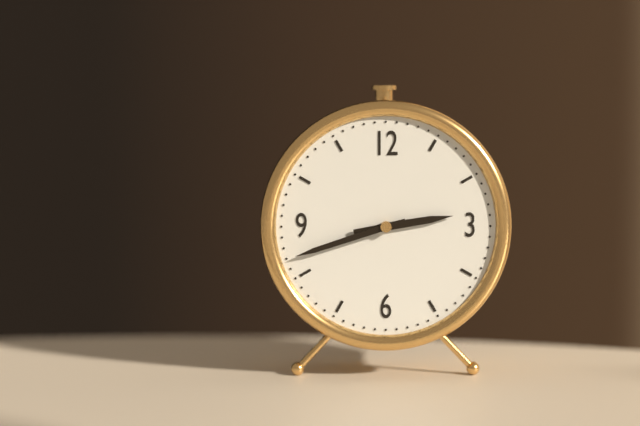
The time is h=2 m=42
